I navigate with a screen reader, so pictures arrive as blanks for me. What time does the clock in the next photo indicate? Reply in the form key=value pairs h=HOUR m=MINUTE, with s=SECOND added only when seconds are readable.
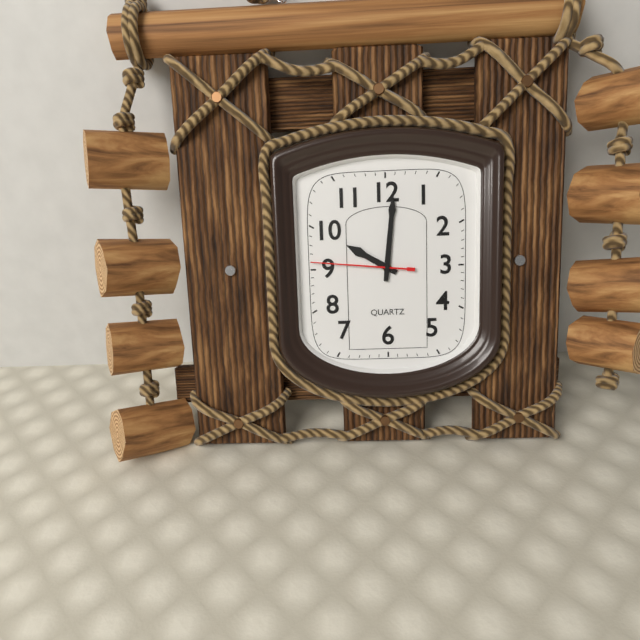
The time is h=10 m=1 s=46
